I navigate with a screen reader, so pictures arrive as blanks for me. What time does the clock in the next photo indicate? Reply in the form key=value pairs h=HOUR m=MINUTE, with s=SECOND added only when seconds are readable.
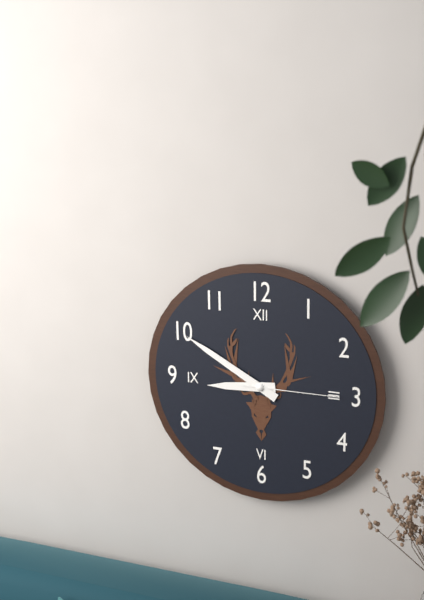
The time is h=8 m=50 s=15
